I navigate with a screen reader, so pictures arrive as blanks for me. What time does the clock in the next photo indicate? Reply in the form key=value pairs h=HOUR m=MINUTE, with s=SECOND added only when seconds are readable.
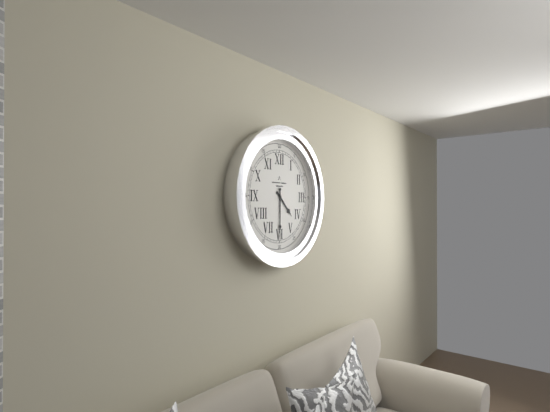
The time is h=4 m=30
